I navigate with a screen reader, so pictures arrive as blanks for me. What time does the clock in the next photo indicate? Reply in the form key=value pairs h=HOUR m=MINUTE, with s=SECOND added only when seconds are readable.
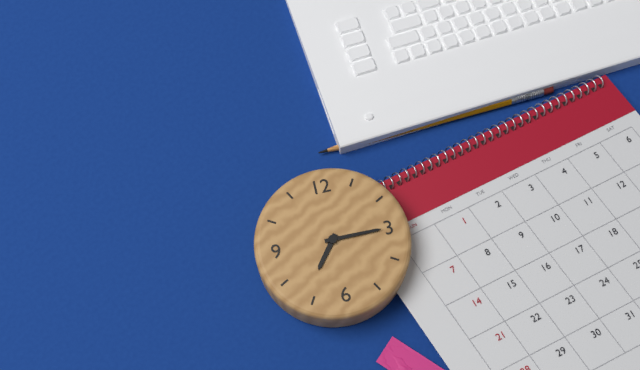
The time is h=7 m=15
